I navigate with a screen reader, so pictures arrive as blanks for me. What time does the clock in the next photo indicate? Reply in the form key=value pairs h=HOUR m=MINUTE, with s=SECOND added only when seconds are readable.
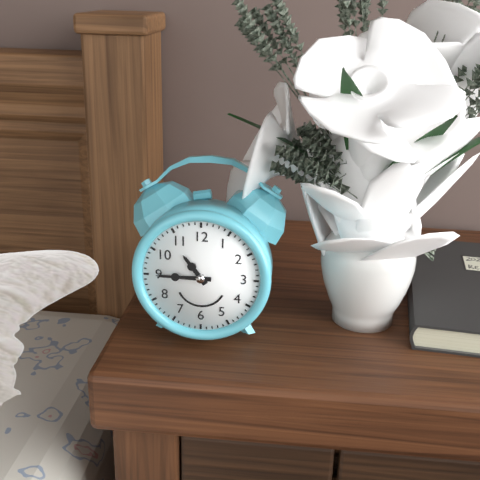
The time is h=10 m=45
